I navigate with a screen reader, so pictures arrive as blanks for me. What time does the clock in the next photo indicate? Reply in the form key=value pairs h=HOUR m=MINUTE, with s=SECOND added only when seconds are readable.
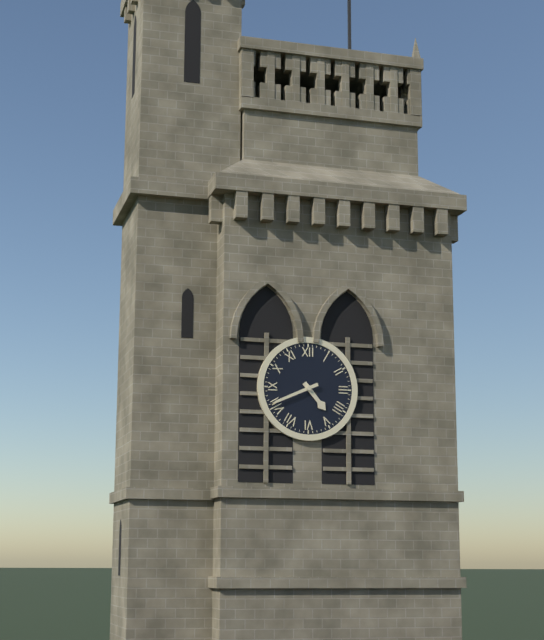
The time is h=4 m=41
